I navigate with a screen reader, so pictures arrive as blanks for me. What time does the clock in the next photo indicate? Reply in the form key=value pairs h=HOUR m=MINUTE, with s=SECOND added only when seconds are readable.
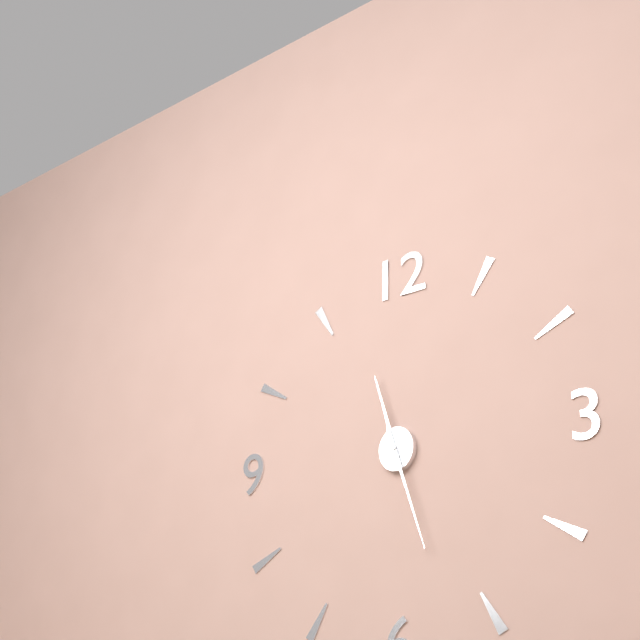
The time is h=11 m=27
